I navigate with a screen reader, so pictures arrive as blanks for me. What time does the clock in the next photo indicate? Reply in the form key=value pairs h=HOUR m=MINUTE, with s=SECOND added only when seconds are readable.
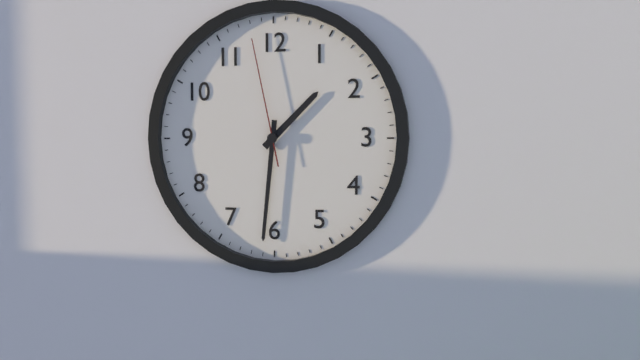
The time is h=1 m=31 s=58
